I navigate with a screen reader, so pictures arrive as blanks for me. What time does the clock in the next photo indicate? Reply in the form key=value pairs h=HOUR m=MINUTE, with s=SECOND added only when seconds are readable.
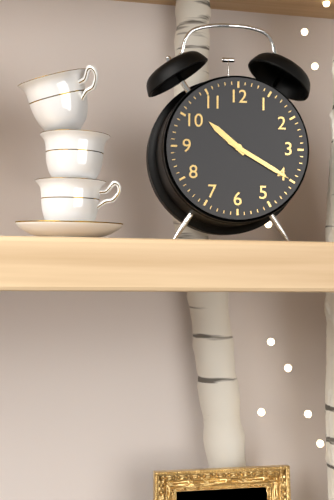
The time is h=10 m=20
